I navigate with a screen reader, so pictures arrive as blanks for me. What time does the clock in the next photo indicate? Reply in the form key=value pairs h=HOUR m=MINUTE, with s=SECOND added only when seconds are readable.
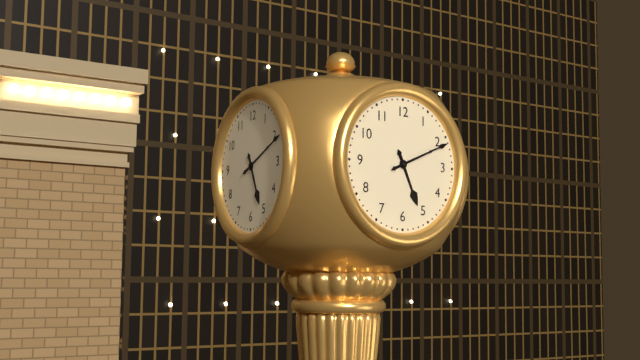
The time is h=5 m=11
